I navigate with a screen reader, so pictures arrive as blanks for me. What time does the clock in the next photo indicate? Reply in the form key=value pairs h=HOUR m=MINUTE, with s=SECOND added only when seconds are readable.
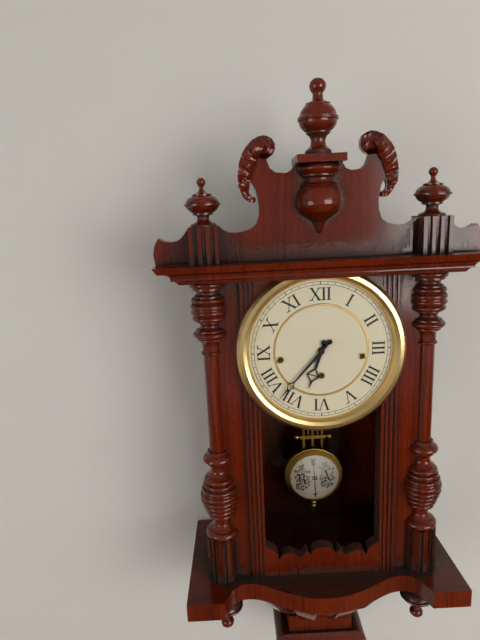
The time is h=6 m=37
